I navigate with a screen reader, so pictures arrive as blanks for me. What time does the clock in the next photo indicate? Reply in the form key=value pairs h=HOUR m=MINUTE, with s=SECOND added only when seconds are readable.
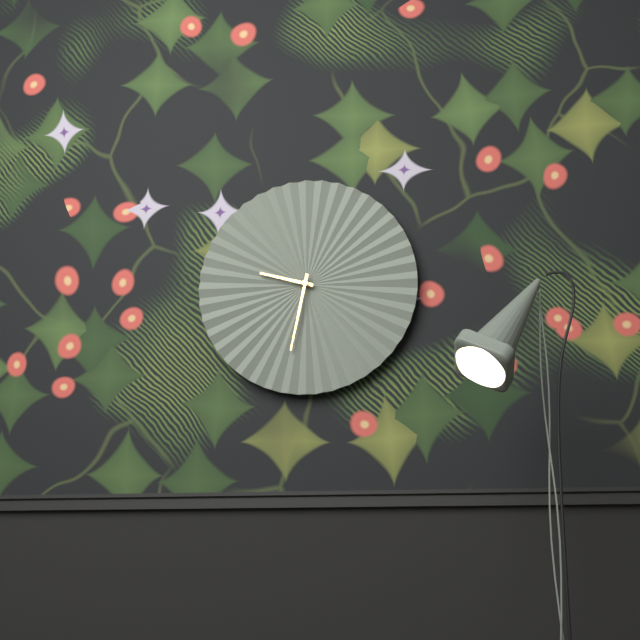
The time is h=9 m=32
